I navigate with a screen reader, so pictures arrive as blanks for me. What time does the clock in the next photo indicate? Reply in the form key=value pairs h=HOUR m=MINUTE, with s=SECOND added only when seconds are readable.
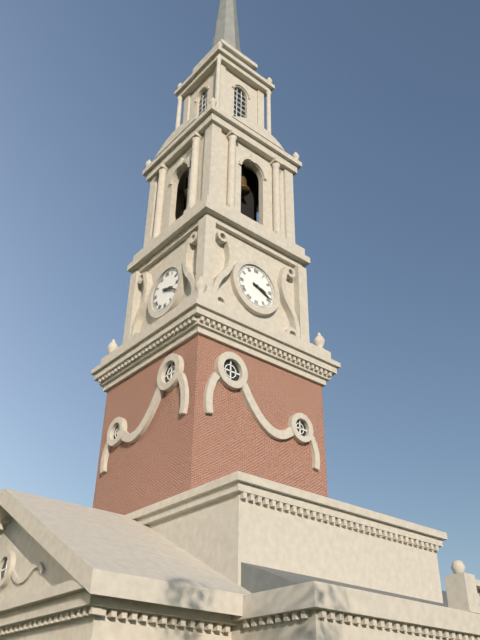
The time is h=3 m=19
